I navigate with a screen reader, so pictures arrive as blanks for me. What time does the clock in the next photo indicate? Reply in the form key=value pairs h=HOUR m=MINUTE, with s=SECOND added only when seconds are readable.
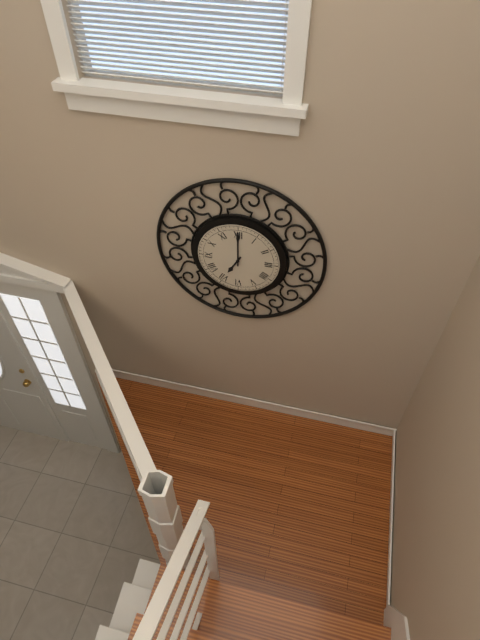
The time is h=7 m=0
